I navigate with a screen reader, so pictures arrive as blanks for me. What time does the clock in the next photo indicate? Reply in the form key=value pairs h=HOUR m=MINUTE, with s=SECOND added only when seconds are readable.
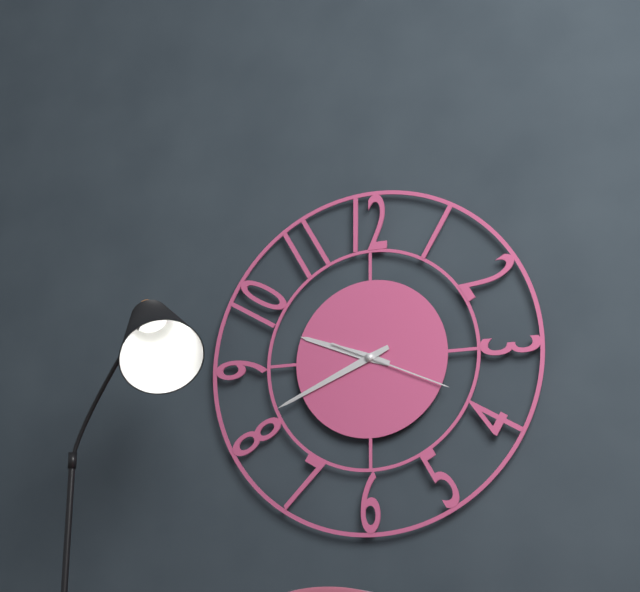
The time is h=9 m=41 s=19
